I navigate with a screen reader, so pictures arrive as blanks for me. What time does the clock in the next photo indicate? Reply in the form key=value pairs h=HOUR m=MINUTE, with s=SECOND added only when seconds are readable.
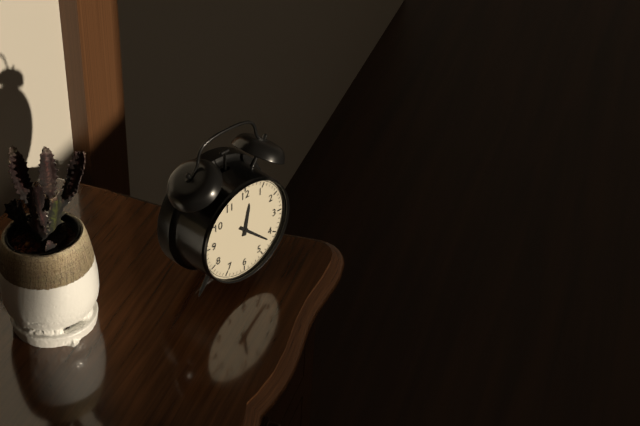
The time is h=12 m=22
